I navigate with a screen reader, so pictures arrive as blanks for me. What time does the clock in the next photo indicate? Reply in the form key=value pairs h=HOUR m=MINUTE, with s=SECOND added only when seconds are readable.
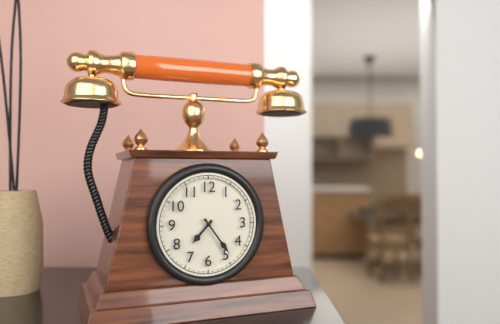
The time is h=7 m=24
